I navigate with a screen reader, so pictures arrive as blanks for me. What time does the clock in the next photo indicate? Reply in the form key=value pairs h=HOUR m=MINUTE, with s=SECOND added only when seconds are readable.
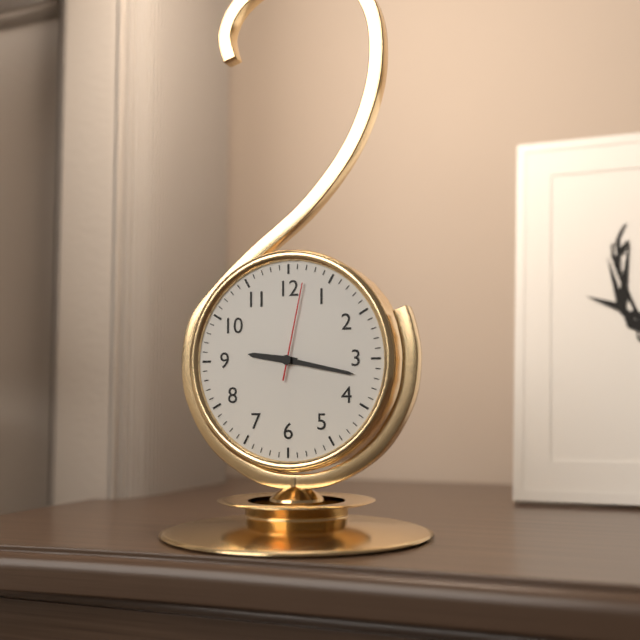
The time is h=9 m=17 s=2
